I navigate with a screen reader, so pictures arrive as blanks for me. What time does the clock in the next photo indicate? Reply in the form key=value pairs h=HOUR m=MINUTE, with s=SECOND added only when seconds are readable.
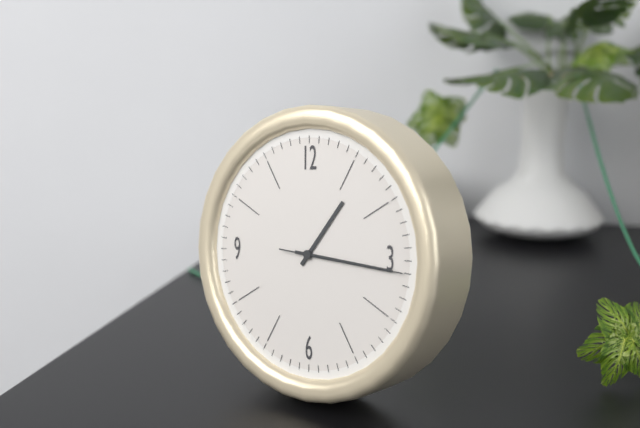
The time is h=1 m=16 s=16
